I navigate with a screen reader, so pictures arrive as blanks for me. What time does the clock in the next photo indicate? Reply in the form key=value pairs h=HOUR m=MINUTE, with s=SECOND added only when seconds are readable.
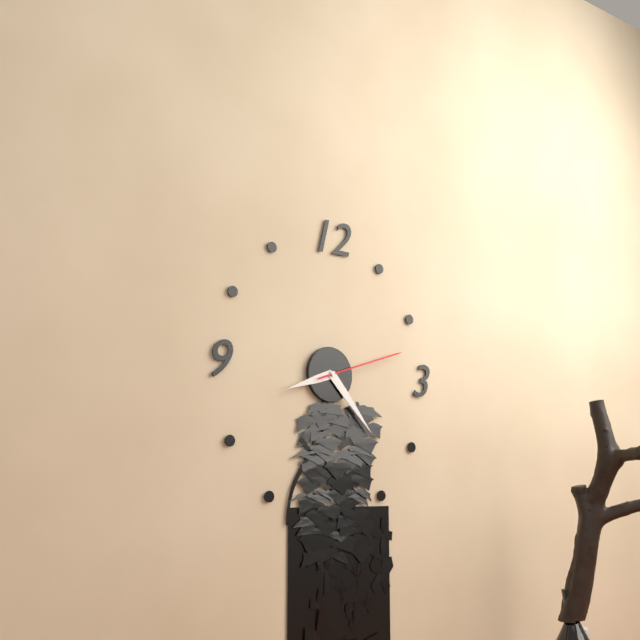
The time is h=8 m=23 s=12
